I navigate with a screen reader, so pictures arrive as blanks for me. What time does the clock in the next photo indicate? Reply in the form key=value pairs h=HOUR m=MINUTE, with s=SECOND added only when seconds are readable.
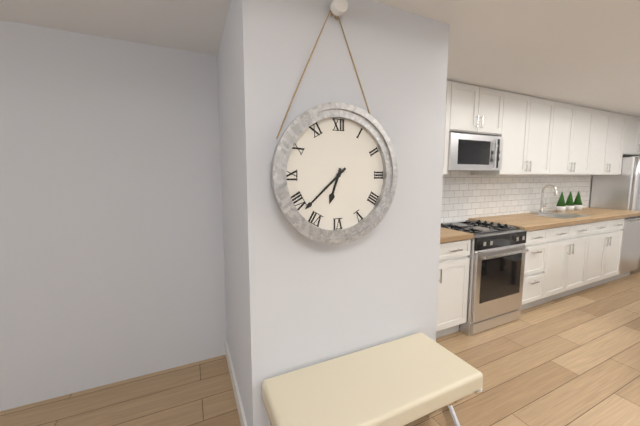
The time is h=6 m=38
